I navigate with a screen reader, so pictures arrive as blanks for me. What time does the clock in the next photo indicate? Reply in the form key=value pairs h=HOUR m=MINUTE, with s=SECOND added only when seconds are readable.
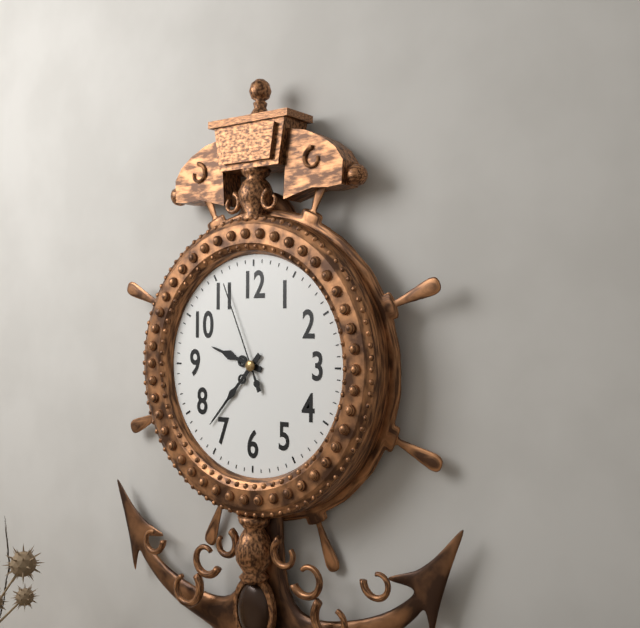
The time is h=9 m=37 s=56
